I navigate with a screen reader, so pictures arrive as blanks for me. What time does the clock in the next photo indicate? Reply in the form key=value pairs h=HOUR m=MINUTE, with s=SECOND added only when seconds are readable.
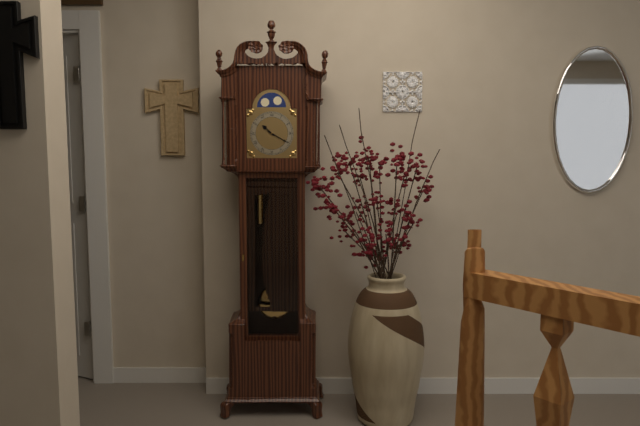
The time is h=10 m=20
